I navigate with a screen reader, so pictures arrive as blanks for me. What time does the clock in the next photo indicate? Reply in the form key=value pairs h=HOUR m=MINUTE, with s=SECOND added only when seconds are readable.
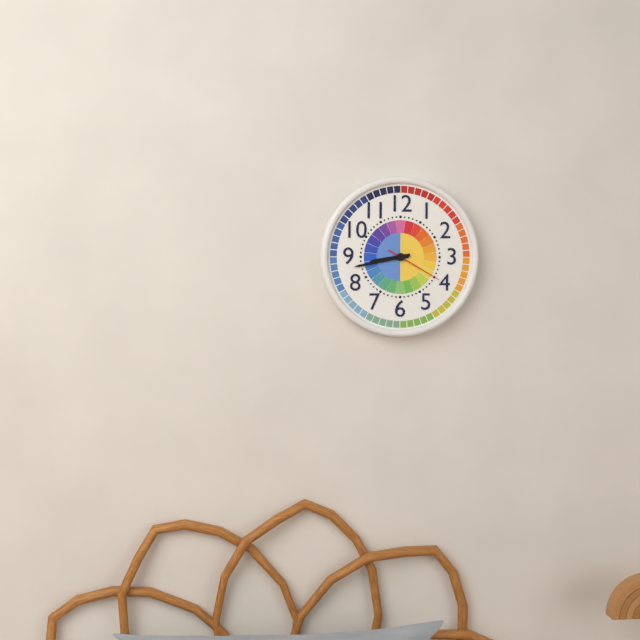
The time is h=8 m=43 s=20
